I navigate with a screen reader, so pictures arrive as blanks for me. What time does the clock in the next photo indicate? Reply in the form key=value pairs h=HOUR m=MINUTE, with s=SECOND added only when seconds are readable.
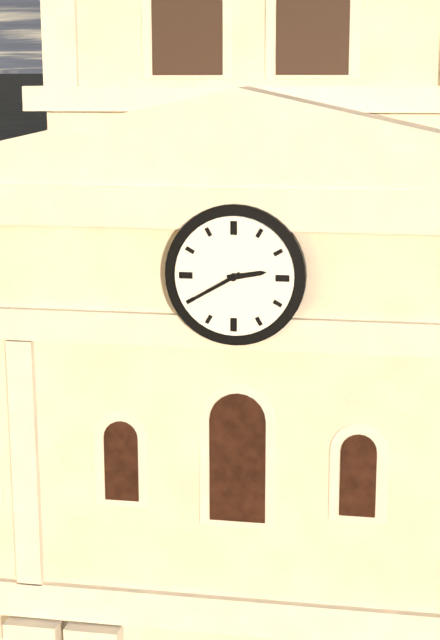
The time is h=2 m=40
